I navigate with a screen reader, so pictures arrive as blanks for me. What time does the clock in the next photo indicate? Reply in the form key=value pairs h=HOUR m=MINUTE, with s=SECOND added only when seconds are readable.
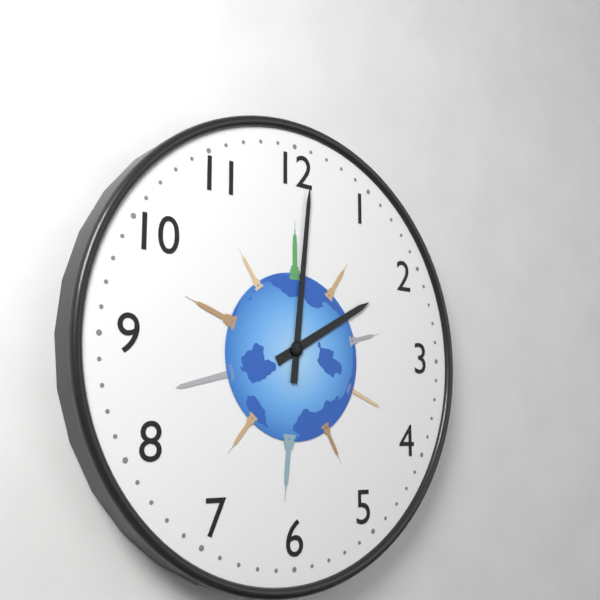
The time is h=2 m=1
